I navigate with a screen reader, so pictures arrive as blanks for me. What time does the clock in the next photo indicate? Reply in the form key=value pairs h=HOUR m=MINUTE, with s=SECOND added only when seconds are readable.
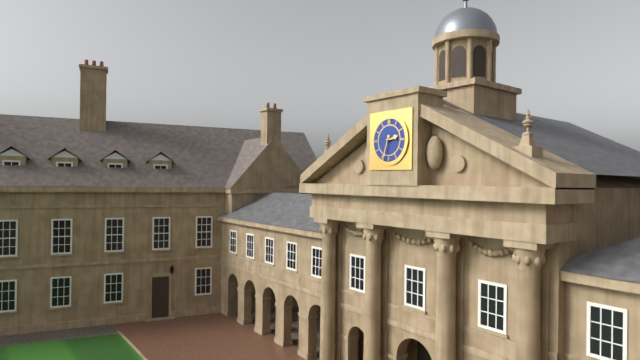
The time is h=2 m=33
